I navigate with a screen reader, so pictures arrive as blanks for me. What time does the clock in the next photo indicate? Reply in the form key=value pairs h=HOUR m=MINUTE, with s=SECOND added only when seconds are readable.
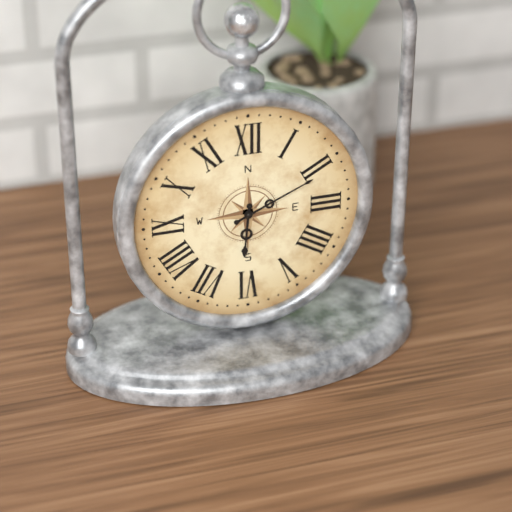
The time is h=6 m=11
